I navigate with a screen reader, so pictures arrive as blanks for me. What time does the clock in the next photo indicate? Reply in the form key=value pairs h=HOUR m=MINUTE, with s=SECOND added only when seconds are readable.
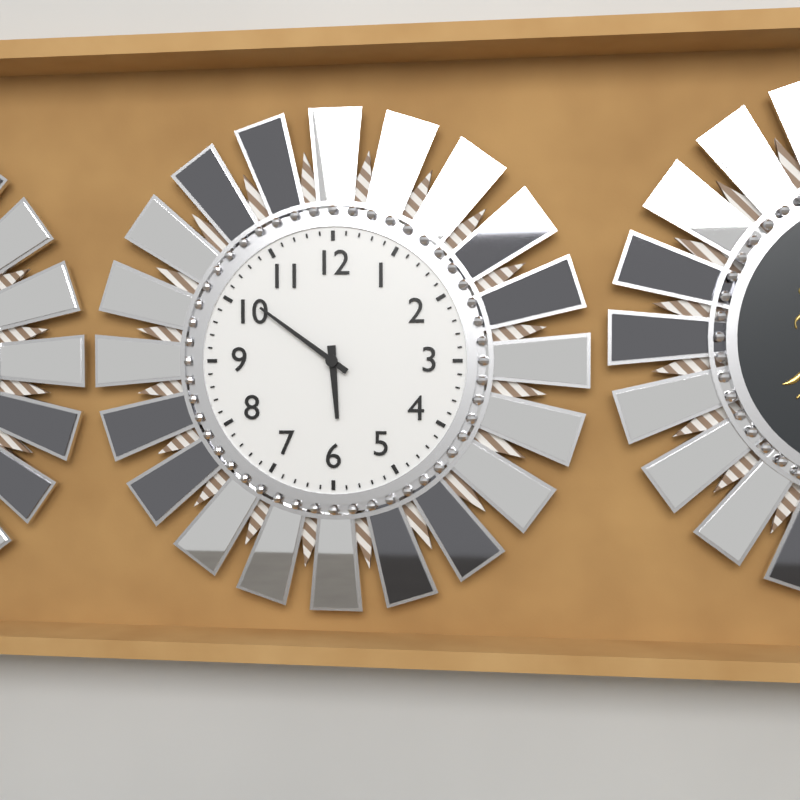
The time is h=5 m=51
